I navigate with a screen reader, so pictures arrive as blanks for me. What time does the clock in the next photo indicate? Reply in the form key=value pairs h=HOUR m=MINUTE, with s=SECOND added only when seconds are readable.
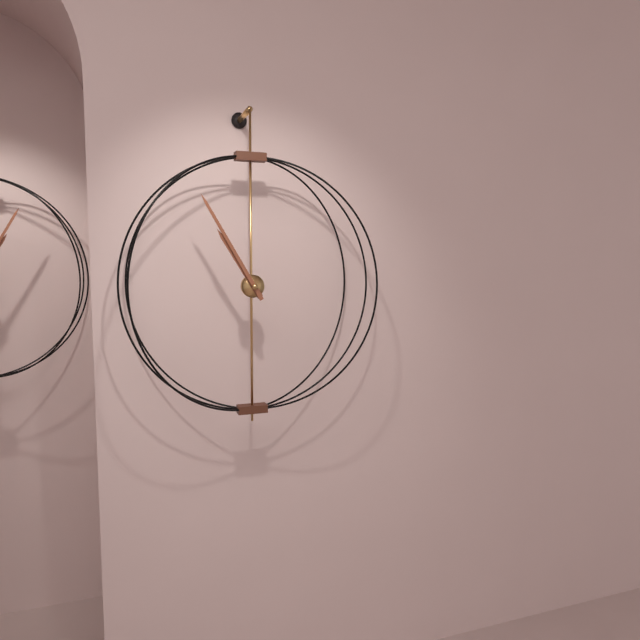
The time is h=10 m=55
